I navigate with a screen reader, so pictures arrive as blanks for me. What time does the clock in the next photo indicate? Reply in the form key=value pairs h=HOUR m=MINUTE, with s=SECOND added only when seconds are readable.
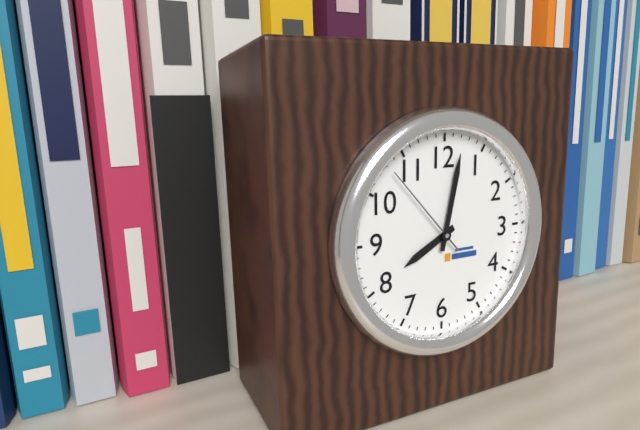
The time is h=8 m=2 s=53
